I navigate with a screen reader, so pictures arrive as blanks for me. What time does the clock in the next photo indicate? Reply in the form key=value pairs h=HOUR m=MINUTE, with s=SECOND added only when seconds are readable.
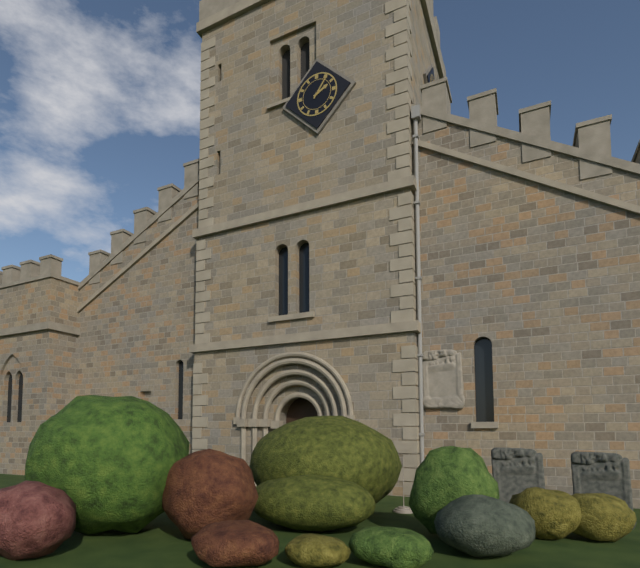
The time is h=2 m=6
